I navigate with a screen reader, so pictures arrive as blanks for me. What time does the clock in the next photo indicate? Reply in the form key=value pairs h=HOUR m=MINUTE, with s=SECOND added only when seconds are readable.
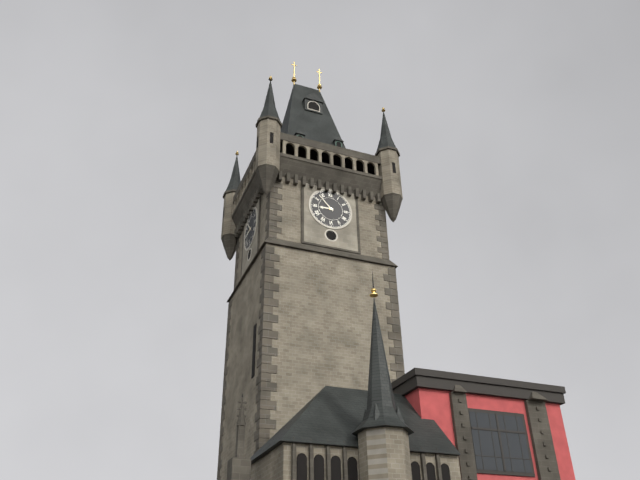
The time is h=8 m=53
